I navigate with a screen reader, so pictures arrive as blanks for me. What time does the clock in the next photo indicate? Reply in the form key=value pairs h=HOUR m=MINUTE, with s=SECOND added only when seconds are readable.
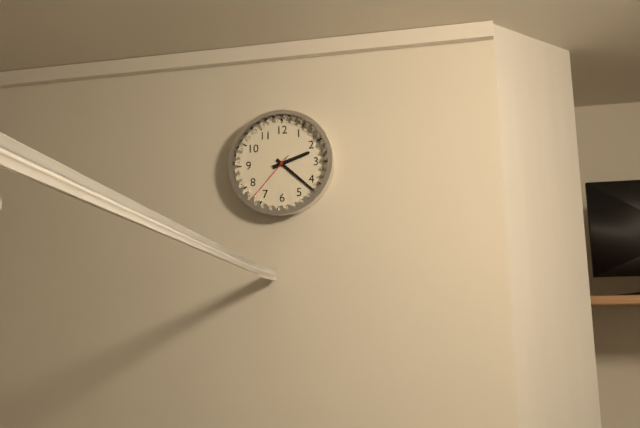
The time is h=2 m=22 s=37
